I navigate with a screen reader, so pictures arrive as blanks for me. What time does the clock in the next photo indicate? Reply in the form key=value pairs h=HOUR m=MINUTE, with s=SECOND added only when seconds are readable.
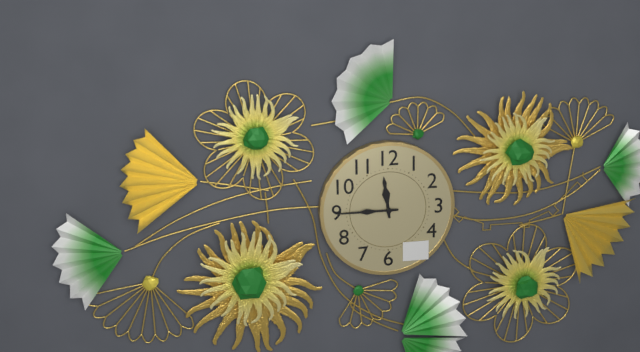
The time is h=11 m=45
